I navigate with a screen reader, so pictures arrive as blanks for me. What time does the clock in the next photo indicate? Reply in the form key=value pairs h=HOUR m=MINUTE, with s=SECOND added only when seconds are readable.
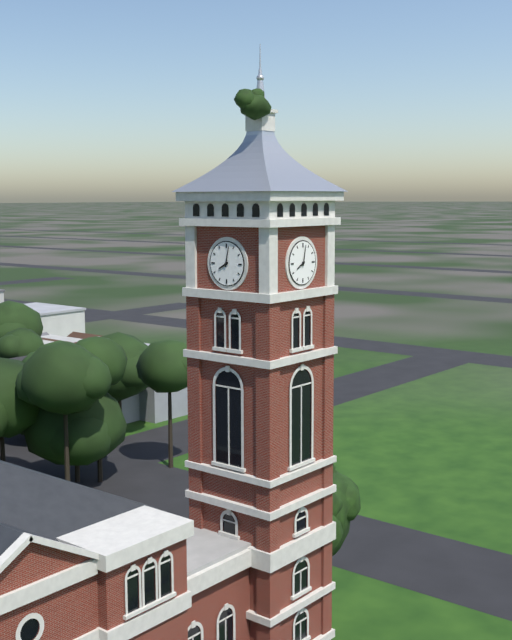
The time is h=8 m=2
